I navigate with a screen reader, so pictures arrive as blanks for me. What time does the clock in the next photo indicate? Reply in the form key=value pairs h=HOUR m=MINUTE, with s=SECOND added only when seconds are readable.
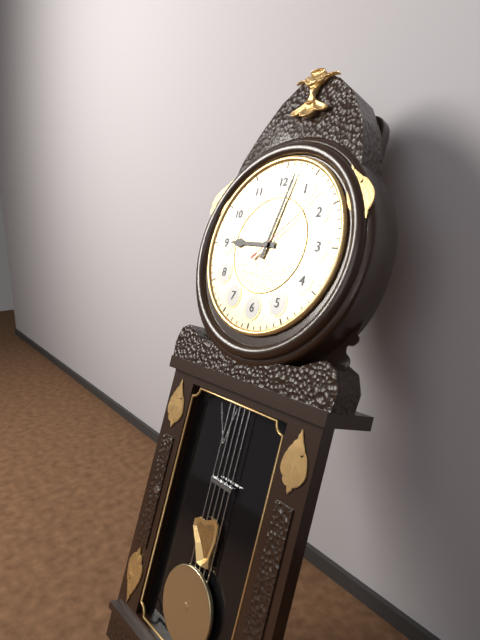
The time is h=9 m=2 s=8
